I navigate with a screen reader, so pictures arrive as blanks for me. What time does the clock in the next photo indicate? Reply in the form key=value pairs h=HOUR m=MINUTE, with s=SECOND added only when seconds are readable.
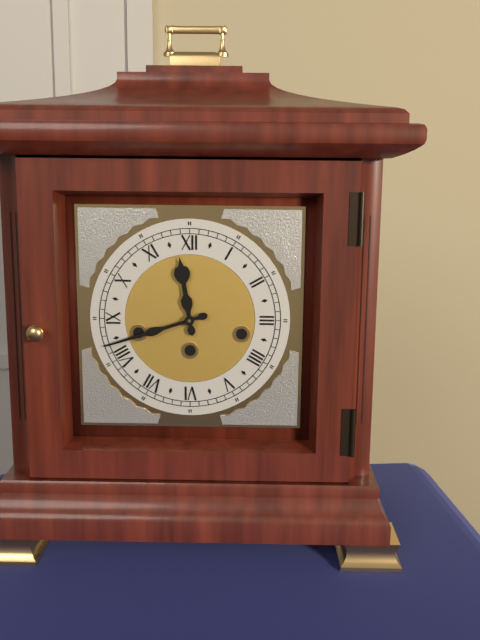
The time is h=11 m=42
